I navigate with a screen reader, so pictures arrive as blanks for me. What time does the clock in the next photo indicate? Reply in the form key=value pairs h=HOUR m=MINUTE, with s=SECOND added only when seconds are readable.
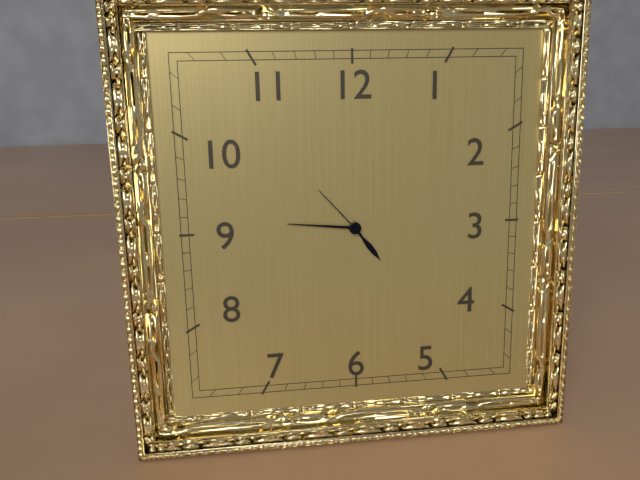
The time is h=4 m=46 s=53
